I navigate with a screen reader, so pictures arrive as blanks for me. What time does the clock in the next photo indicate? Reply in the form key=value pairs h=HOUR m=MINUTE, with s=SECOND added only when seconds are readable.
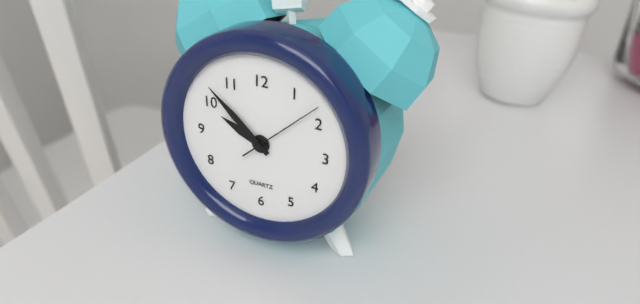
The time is h=9 m=52 s=8
